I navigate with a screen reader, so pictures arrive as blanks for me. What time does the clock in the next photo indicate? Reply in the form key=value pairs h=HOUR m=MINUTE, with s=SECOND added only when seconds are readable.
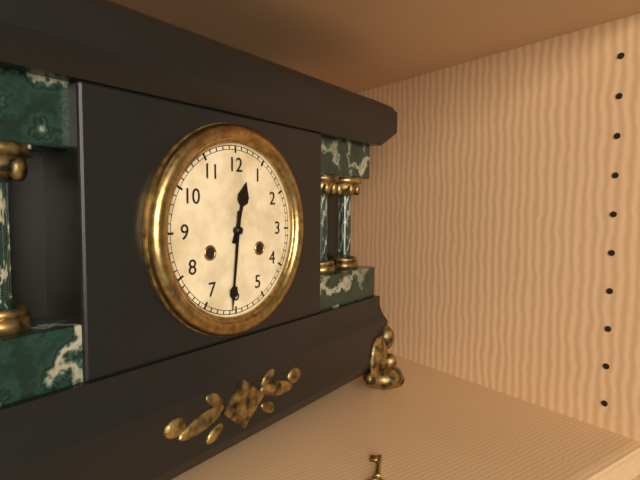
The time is h=12 m=31
